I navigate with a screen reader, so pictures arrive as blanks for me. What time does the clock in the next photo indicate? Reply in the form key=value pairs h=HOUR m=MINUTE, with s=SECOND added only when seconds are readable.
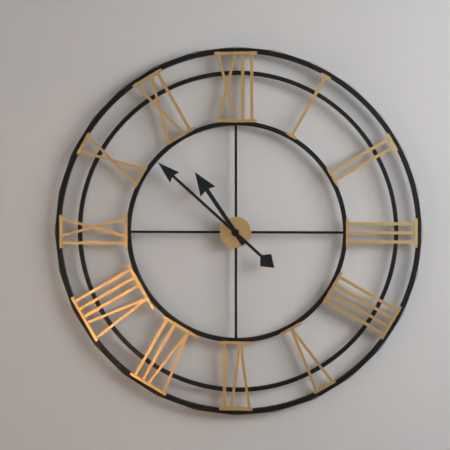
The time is h=10 m=52
